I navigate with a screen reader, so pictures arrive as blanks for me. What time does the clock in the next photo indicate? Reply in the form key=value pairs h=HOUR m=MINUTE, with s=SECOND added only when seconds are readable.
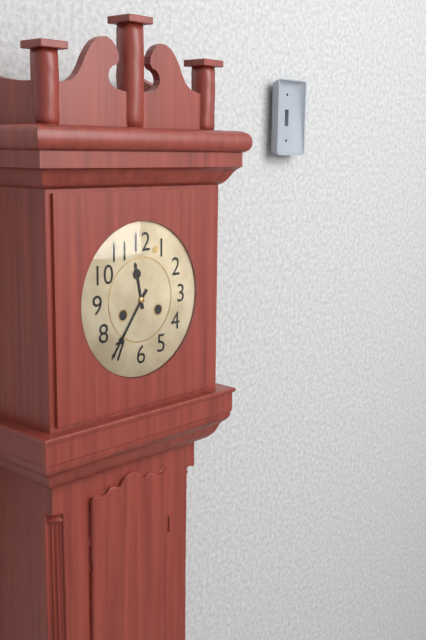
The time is h=11 m=36
